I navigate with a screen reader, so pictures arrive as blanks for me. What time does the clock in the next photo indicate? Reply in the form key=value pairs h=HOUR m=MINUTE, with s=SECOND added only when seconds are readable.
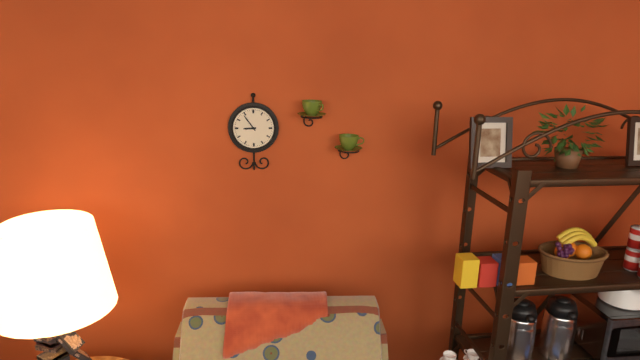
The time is h=8 m=54
